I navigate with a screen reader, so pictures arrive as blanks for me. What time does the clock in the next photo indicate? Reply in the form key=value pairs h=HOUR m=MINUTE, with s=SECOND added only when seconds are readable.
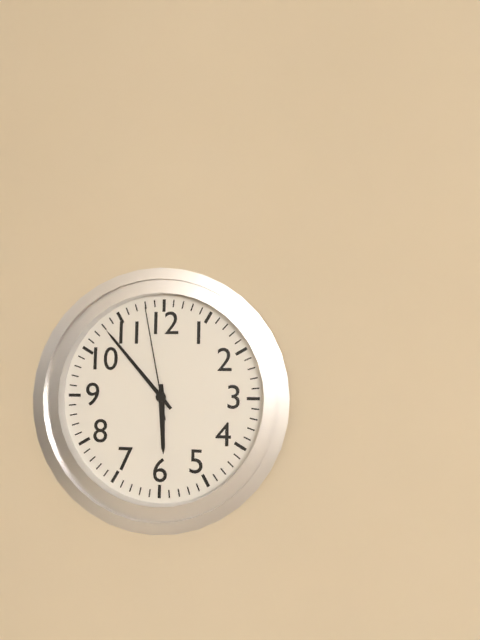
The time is h=5 m=53 s=58
